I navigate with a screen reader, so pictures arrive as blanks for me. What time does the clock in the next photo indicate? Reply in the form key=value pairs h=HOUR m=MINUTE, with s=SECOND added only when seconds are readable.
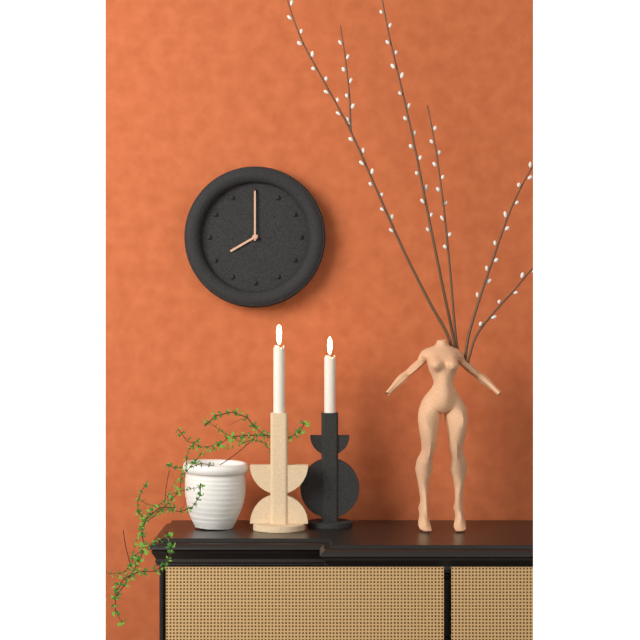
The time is h=8 m=0
